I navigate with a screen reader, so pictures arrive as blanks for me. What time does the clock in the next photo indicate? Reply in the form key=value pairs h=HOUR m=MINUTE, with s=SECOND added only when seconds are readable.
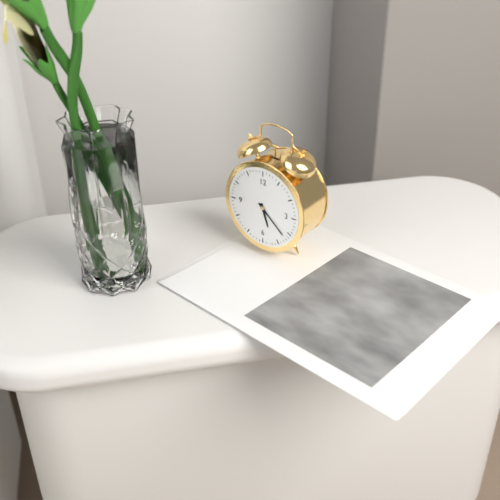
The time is h=5 m=22
